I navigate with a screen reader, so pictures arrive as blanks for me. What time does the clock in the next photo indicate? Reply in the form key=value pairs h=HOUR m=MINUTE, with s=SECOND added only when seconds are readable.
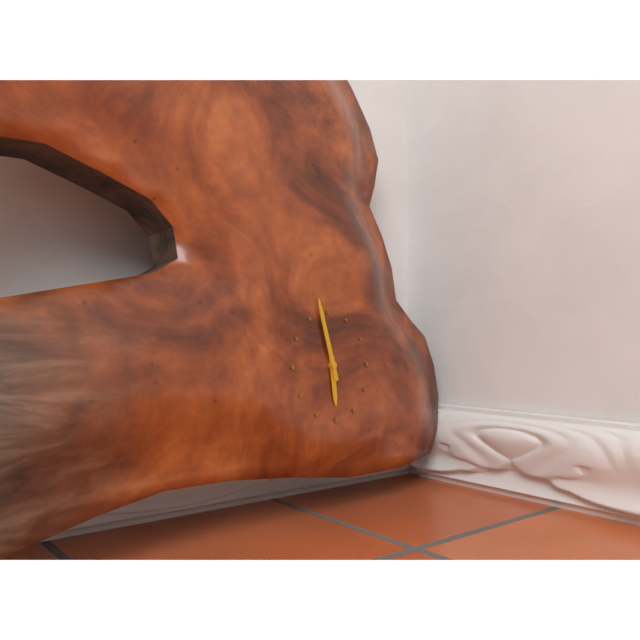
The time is h=5 m=58
